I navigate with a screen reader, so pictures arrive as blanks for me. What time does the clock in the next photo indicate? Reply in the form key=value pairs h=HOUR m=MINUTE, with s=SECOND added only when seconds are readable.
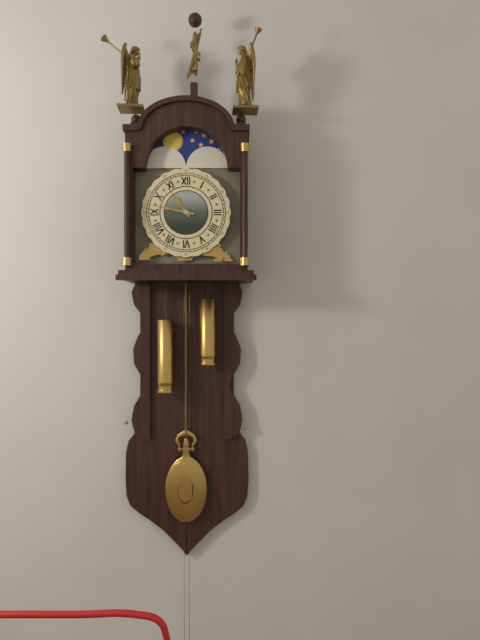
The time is h=10 m=47
